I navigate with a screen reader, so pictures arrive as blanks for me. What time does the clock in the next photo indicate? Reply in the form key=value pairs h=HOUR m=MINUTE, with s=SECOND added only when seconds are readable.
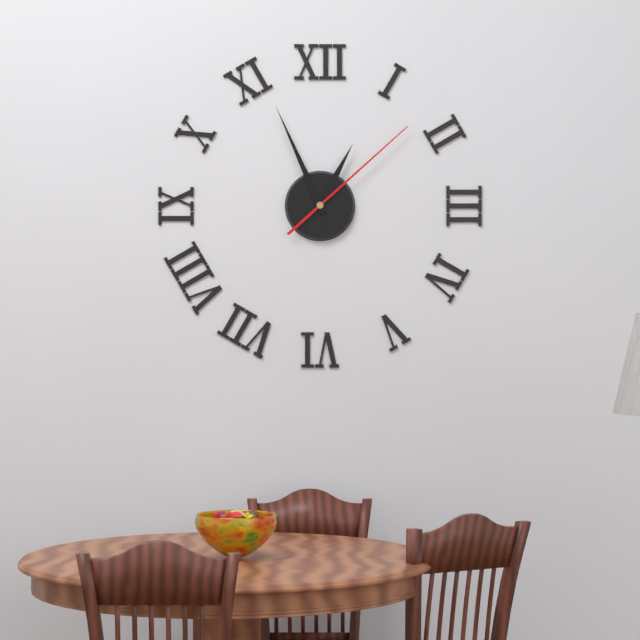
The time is h=12 m=56 s=8
